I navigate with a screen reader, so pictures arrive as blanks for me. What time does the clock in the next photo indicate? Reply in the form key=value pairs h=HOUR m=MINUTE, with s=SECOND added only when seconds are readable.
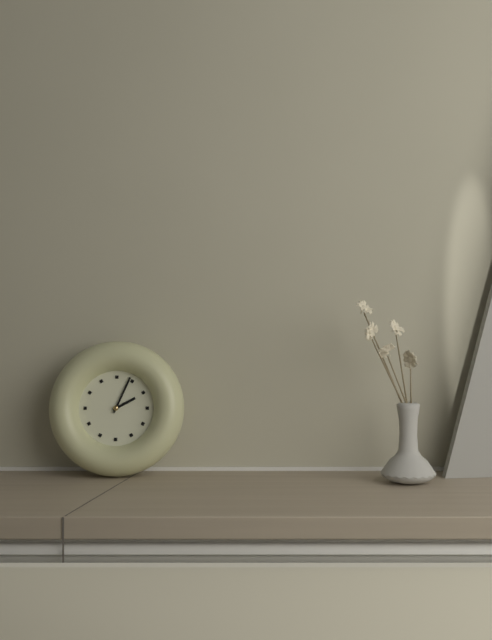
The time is h=2 m=4
